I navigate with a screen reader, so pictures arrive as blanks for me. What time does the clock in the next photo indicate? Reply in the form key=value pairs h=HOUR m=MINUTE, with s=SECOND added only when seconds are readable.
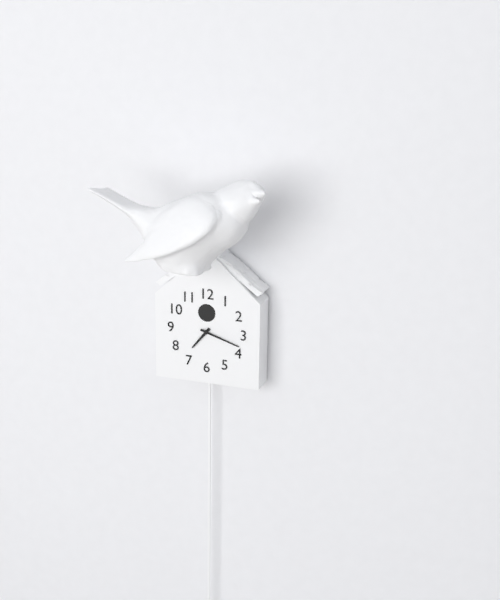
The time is h=7 m=18
